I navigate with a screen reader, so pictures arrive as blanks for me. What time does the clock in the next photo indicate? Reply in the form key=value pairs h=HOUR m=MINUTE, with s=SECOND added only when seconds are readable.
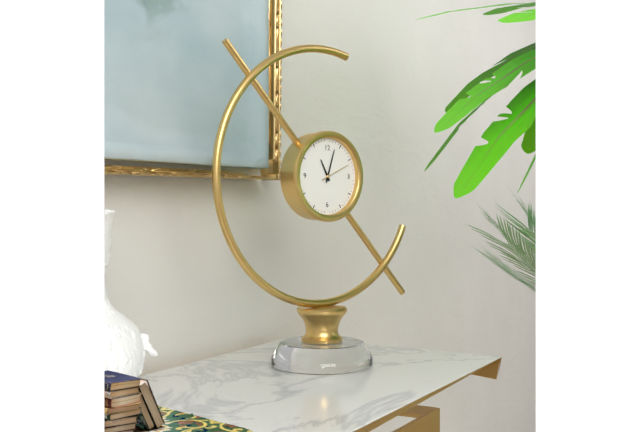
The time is h=11 m=3
